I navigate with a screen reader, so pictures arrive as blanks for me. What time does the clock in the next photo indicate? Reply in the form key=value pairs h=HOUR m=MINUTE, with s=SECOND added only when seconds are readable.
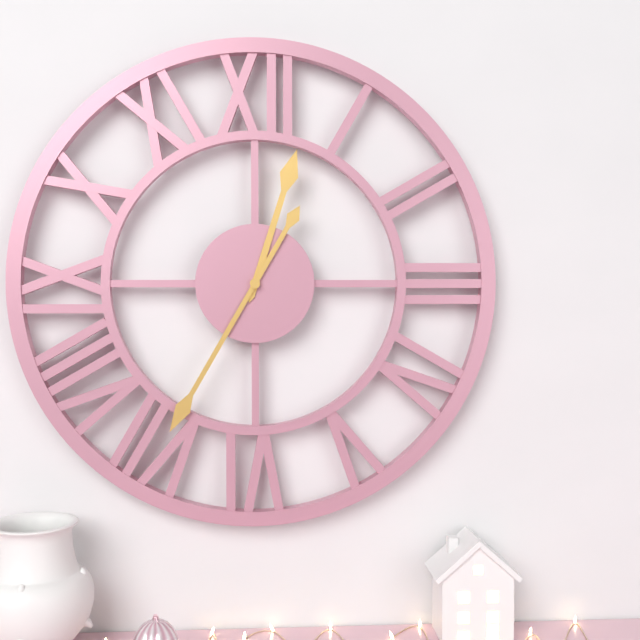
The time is h=12 m=35
